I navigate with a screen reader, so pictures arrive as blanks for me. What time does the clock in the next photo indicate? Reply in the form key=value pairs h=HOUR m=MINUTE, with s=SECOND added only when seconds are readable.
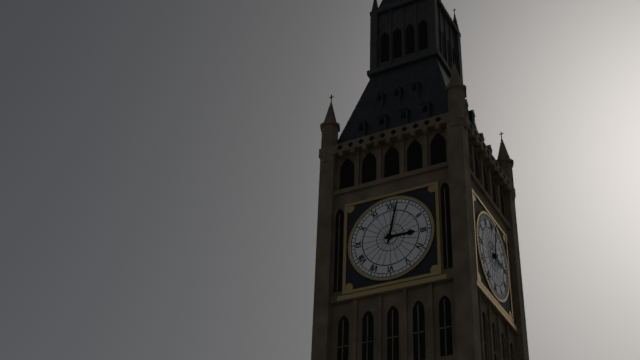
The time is h=3 m=2
